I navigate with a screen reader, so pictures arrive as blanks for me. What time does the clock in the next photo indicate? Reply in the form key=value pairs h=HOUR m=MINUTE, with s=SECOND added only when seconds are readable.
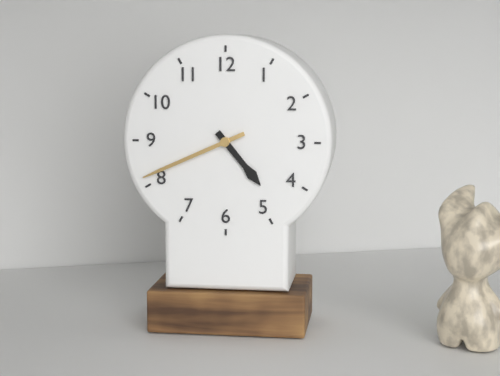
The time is h=4 m=41
